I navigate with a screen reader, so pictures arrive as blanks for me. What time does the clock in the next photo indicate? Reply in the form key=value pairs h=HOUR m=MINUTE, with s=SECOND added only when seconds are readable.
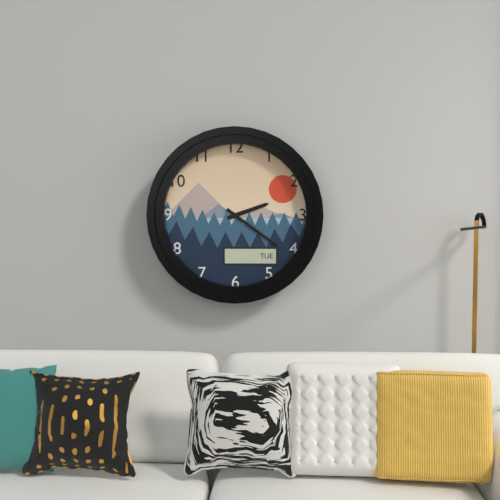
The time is h=2 m=21
